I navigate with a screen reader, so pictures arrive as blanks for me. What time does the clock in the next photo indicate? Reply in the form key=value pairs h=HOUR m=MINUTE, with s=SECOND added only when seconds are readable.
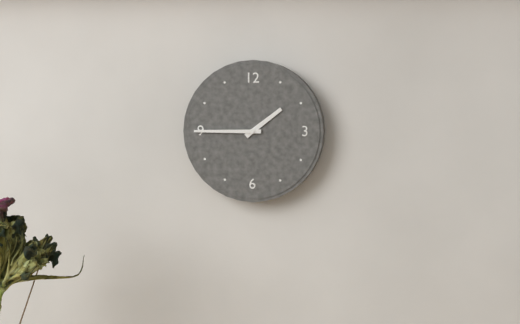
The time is h=1 m=45
